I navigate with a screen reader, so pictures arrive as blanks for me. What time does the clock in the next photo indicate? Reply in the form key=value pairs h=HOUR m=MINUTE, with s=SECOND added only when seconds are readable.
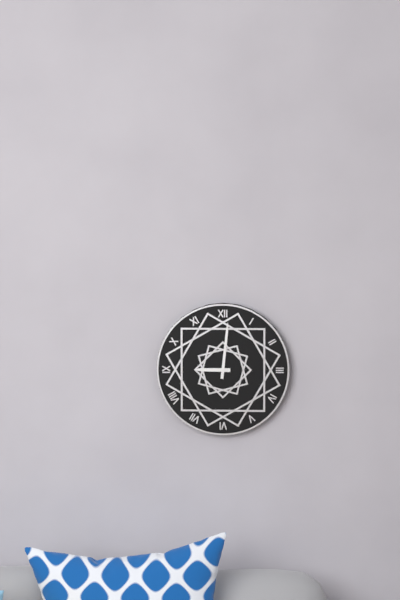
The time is h=9 m=1
